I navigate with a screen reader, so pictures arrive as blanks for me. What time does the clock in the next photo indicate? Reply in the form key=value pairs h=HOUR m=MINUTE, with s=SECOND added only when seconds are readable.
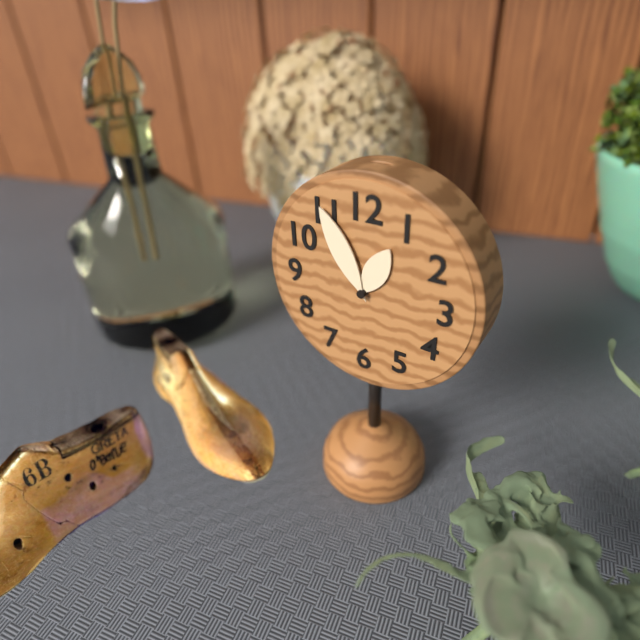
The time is h=12 m=55
